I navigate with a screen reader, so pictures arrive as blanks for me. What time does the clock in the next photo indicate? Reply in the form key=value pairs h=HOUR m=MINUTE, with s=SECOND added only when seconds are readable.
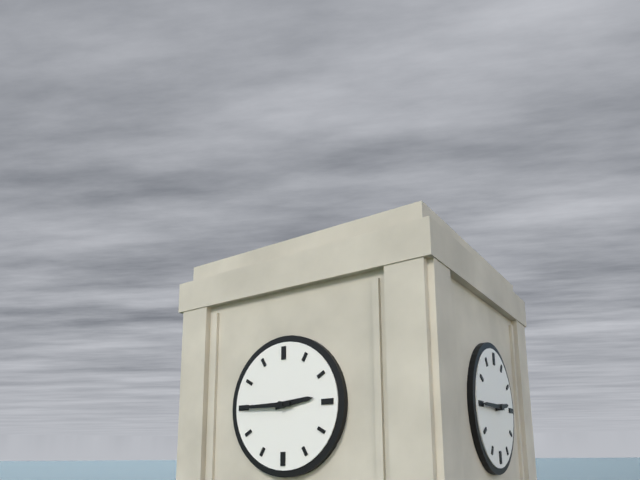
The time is h=2 m=45
